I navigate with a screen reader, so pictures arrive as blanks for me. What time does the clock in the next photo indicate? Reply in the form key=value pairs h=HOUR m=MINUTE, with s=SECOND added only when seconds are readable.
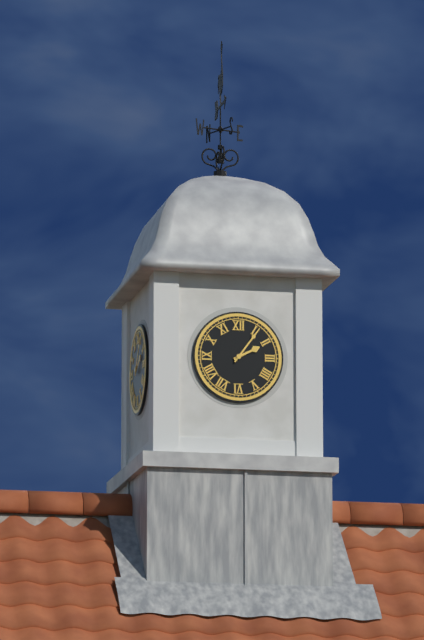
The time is h=2 m=6
